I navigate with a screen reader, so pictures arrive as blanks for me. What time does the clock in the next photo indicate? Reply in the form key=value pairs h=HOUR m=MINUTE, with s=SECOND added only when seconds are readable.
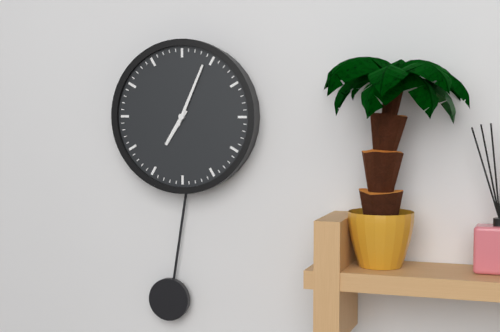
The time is h=7 m=4
